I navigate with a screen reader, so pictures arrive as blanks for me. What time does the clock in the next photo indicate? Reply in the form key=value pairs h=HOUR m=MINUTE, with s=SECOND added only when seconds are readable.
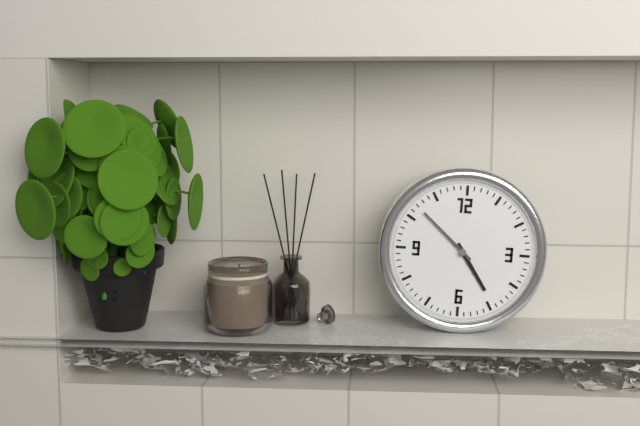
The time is h=4 m=52
